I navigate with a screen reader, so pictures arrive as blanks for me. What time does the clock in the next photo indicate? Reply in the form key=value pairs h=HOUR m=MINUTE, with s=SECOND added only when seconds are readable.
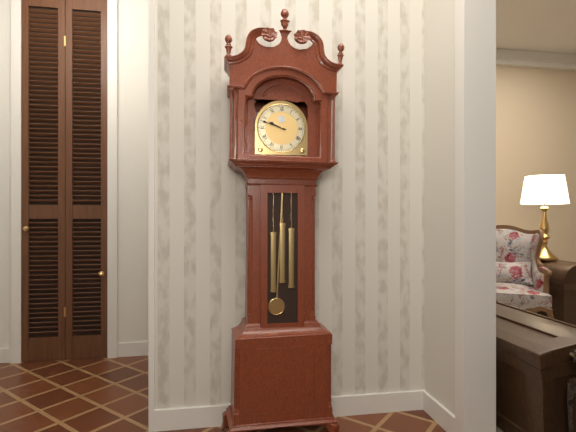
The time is h=9 m=48
